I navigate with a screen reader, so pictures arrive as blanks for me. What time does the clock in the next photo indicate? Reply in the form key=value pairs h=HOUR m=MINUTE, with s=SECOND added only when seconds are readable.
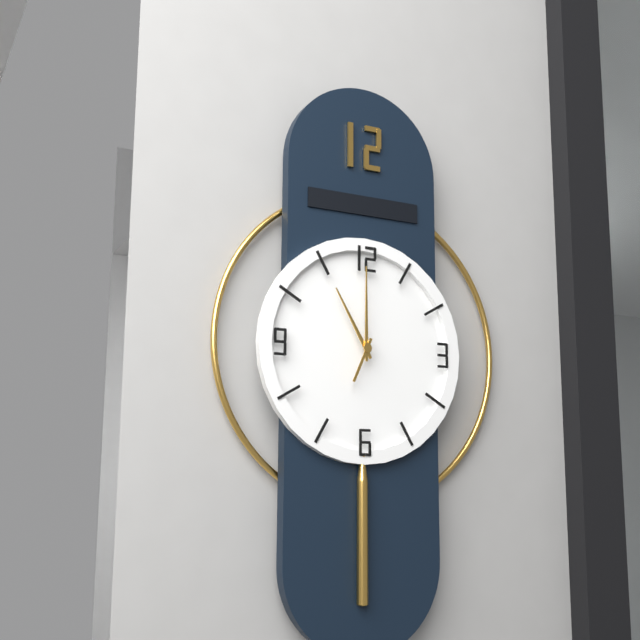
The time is h=11 m=0
